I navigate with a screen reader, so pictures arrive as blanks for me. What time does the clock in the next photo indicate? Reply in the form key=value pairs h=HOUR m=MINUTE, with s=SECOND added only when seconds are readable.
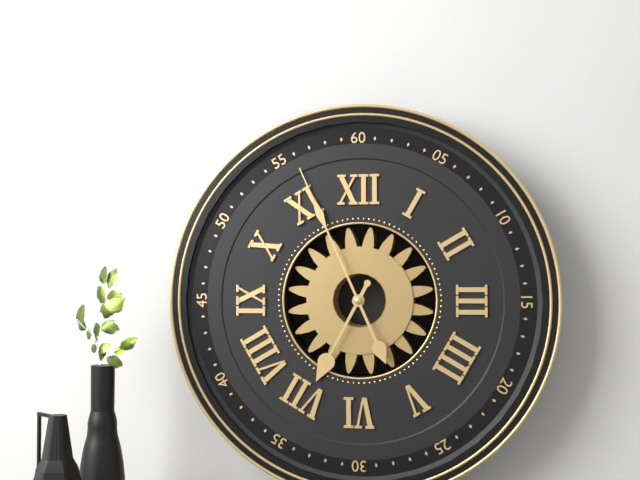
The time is h=6 m=56
